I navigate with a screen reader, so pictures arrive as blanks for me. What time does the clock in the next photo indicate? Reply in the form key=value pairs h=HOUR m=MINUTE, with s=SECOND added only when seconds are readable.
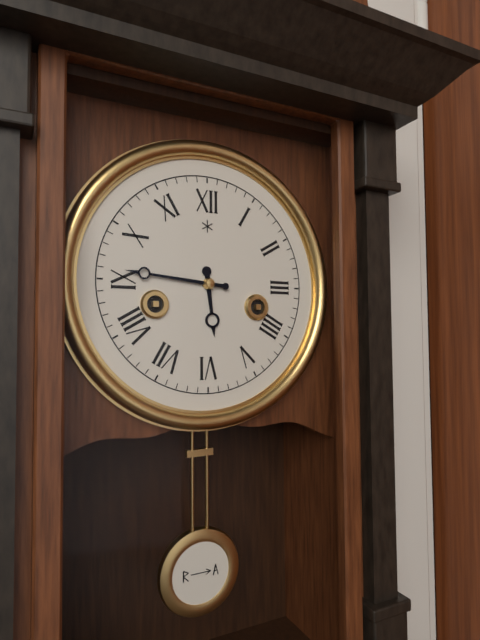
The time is h=5 m=46
